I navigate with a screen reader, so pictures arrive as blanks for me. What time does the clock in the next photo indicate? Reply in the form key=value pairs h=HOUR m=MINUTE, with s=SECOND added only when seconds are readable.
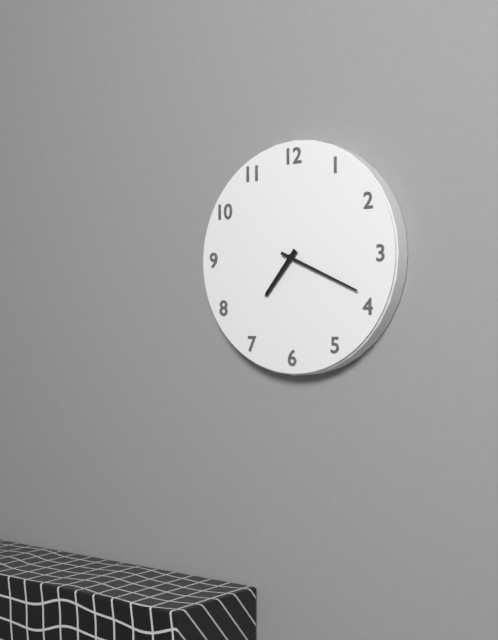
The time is h=7 m=19
